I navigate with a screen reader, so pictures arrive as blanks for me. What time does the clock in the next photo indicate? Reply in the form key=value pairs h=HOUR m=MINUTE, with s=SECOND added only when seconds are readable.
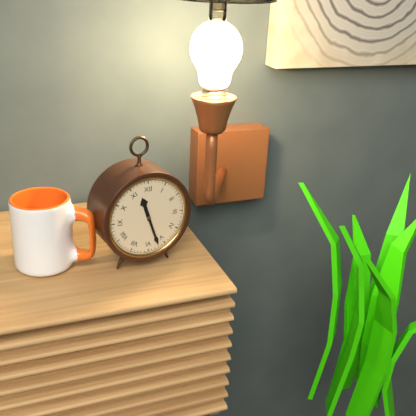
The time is h=11 m=27
